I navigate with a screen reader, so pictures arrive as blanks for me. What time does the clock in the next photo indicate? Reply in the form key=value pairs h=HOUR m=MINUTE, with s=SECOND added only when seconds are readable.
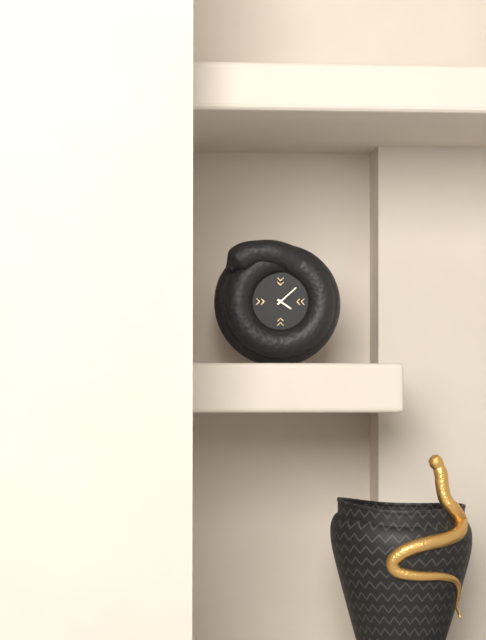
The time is h=4 m=8
